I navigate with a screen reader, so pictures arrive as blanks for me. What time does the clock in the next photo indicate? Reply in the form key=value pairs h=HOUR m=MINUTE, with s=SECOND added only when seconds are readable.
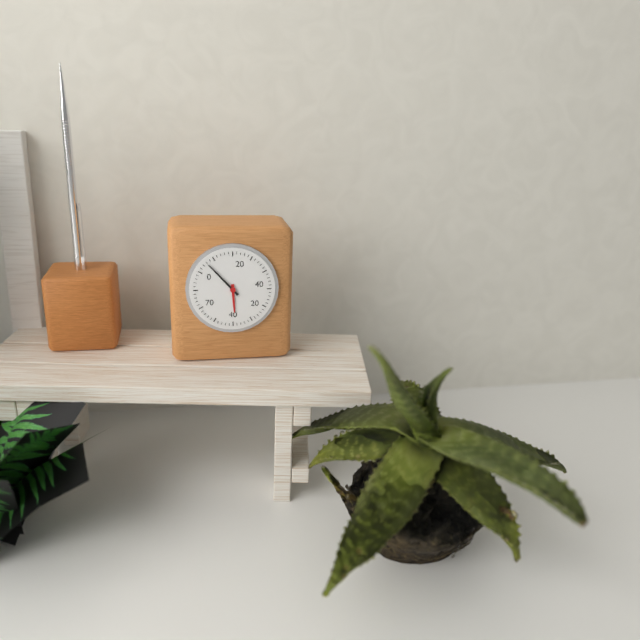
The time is h=5 m=53
